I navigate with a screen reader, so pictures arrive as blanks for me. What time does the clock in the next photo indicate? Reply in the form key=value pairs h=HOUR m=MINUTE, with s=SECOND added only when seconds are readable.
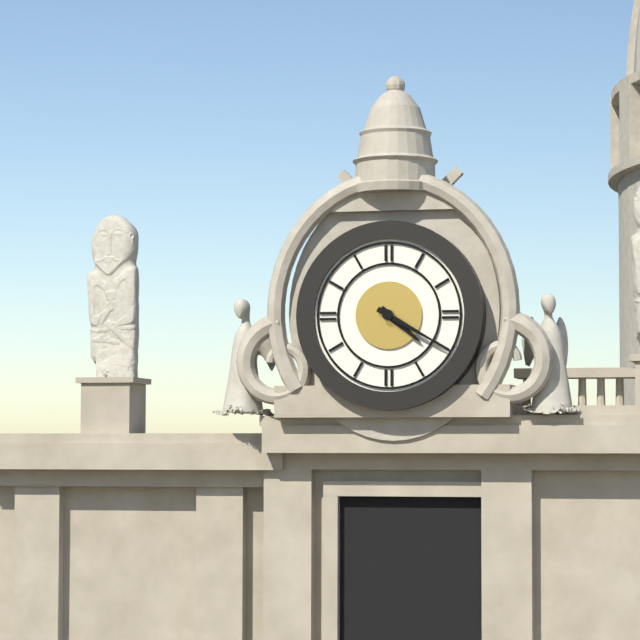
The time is h=4 m=20
